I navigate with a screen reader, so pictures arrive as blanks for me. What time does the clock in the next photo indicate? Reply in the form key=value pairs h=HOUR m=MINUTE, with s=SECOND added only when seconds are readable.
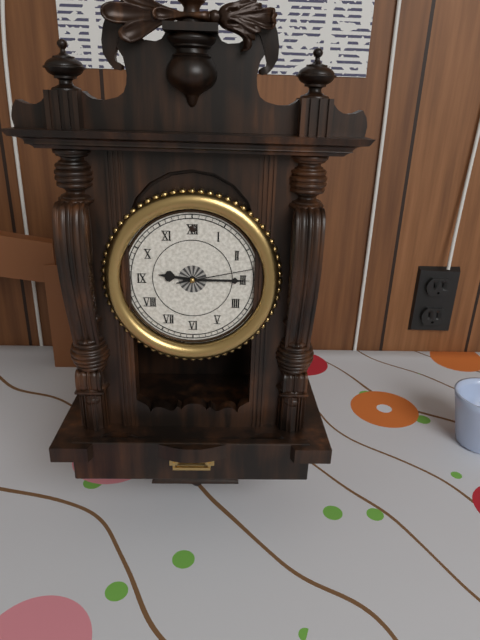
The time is h=9 m=15 s=13
